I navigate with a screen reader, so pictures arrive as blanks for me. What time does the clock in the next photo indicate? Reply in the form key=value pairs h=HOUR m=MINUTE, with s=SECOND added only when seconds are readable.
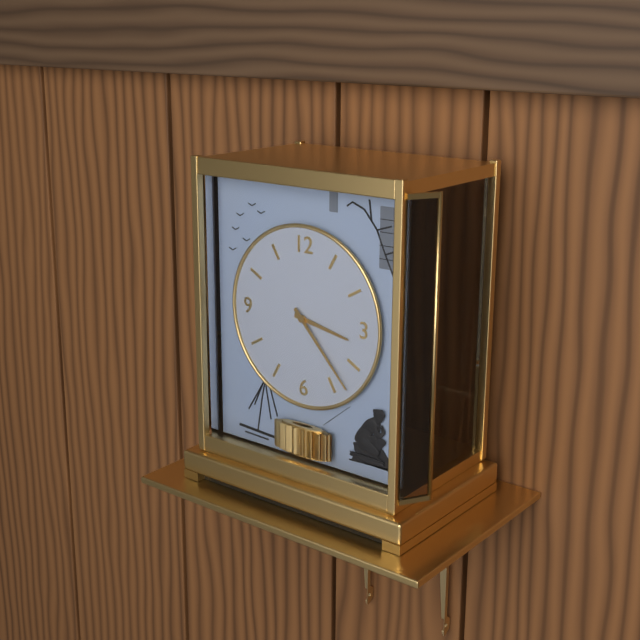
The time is h=3 m=23
